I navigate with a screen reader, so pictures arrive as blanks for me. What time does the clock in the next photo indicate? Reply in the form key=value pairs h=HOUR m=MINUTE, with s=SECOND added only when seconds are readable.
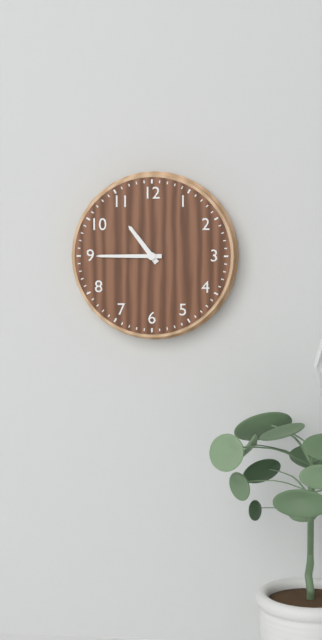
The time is h=10 m=45
